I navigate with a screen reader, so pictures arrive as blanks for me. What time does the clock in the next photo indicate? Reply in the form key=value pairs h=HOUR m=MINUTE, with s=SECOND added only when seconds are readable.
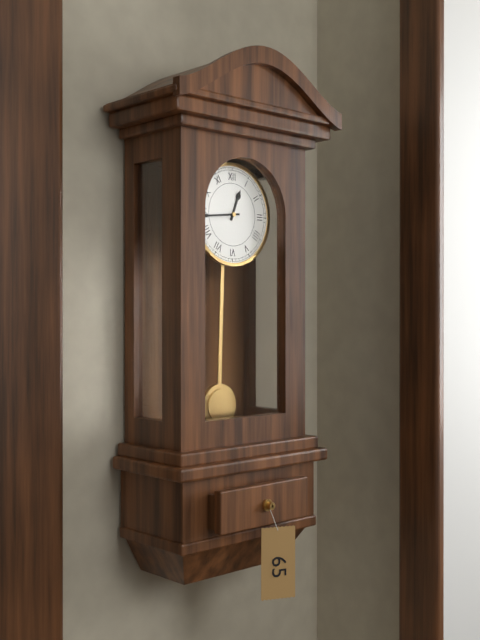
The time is h=12 m=44
